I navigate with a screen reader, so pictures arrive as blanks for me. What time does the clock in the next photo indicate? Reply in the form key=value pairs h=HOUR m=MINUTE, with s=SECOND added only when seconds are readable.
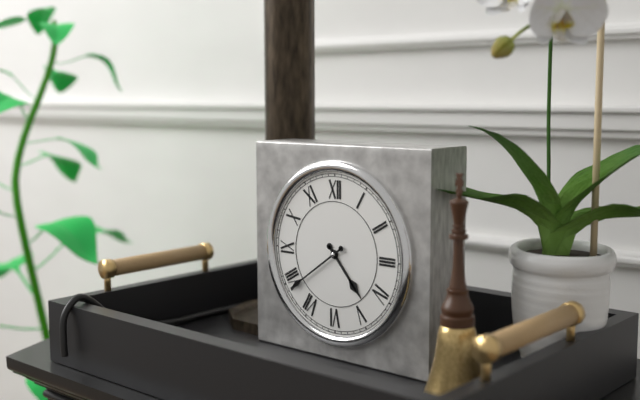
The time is h=4 m=39
